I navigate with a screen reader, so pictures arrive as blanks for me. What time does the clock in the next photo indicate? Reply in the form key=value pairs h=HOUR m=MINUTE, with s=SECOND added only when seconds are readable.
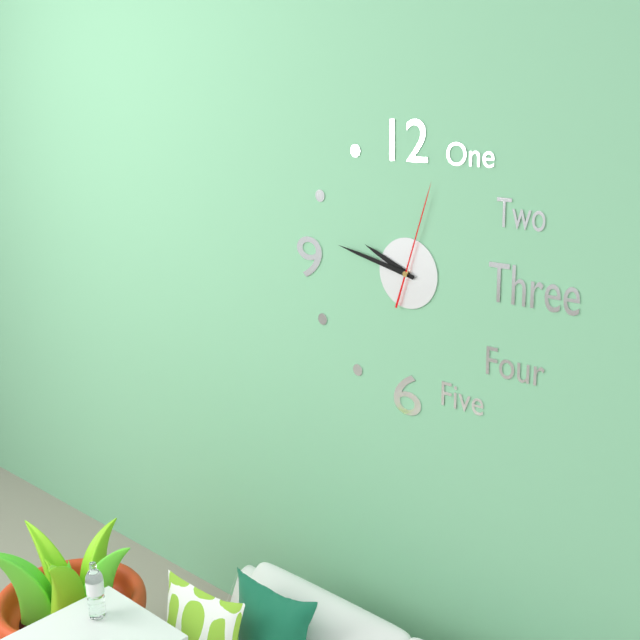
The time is h=9 m=47 s=3
